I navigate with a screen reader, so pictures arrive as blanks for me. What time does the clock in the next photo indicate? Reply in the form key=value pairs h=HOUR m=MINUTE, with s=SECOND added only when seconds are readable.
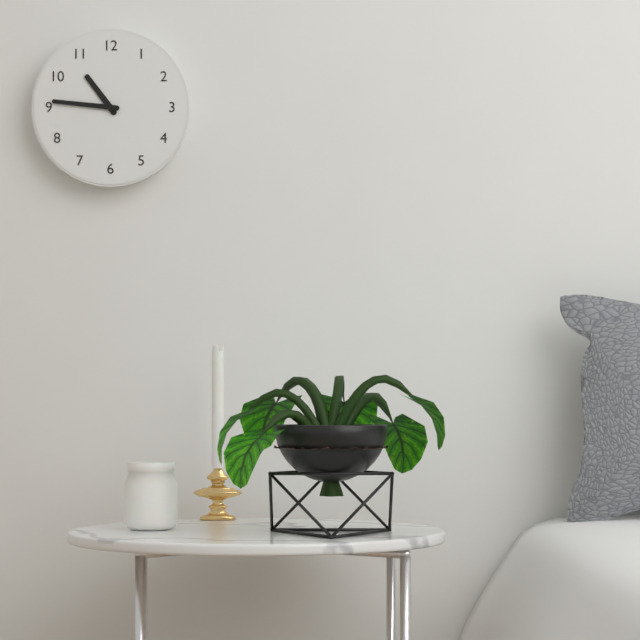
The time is h=10 m=46
